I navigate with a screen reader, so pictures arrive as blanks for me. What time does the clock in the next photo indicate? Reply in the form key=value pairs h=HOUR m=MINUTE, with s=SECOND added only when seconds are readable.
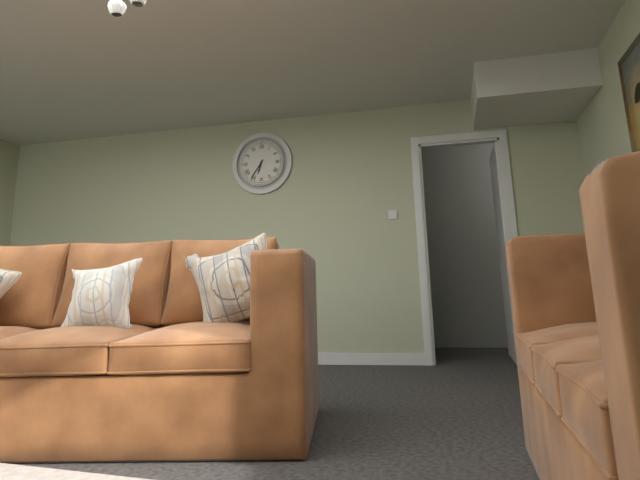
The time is h=6 m=36
